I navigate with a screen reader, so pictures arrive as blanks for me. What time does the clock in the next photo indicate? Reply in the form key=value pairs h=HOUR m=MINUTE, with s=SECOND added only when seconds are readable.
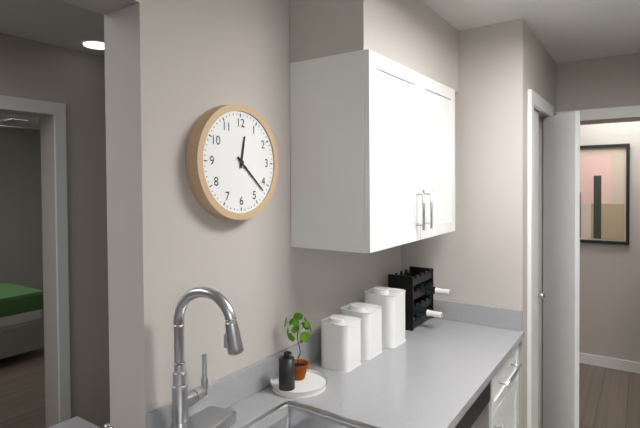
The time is h=12 m=22
